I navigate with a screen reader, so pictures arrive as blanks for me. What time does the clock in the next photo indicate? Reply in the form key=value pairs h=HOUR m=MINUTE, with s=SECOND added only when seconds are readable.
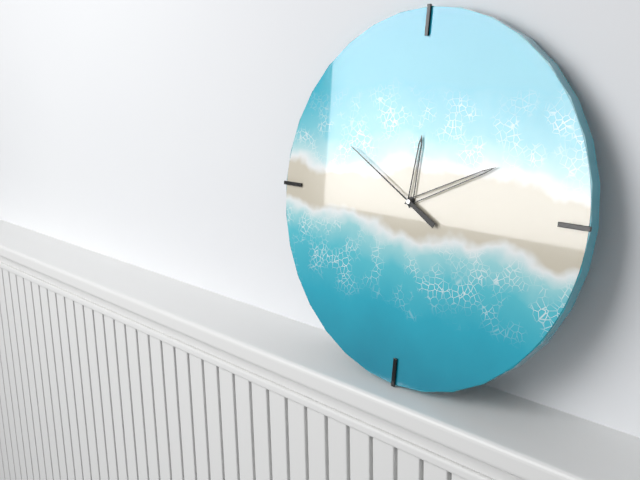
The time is h=12 m=11 s=50
